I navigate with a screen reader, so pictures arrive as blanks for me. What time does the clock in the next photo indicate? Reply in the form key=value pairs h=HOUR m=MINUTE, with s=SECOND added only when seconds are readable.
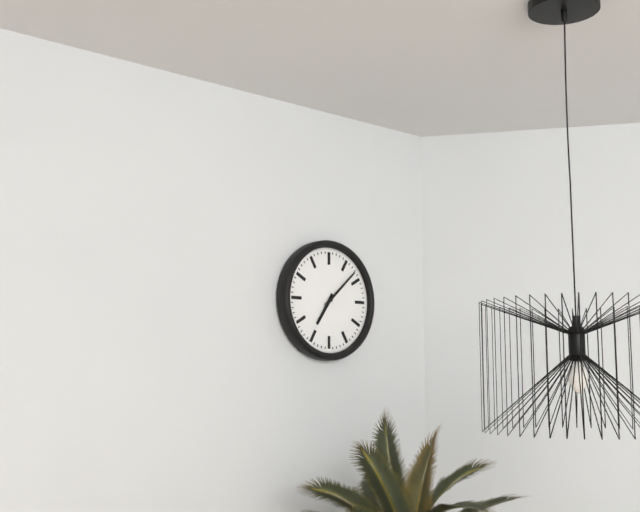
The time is h=7 m=8
